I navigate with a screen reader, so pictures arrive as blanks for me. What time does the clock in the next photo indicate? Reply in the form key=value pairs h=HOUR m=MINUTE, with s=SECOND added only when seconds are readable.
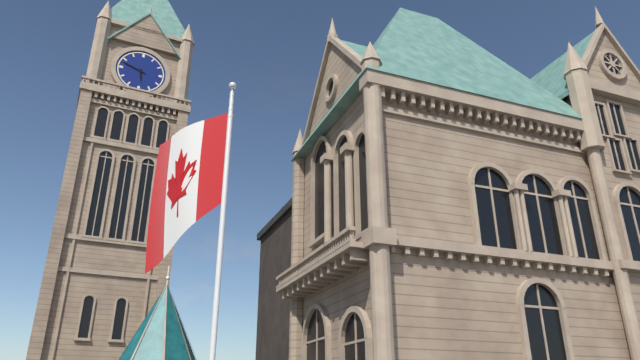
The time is h=5 m=48
